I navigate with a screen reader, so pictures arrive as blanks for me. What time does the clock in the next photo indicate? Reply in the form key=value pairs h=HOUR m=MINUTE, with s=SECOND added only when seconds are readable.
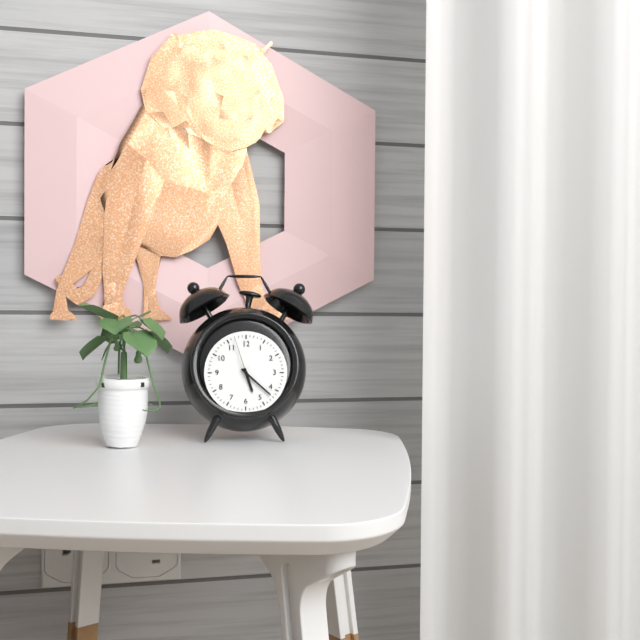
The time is h=5 m=22
